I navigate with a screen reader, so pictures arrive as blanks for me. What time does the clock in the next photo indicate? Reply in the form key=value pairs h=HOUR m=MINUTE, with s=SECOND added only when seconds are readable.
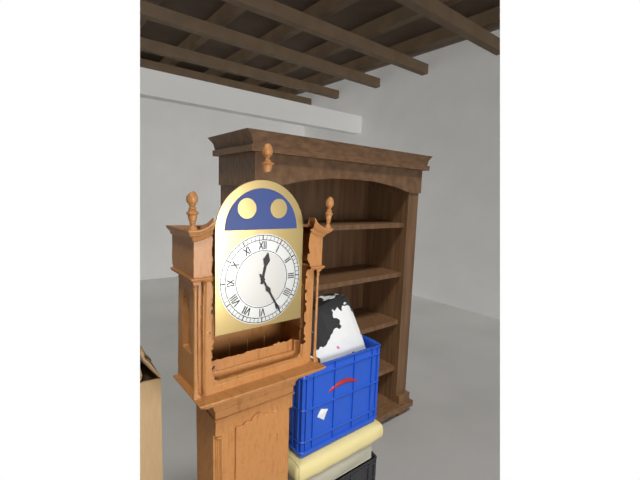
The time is h=12 m=25
